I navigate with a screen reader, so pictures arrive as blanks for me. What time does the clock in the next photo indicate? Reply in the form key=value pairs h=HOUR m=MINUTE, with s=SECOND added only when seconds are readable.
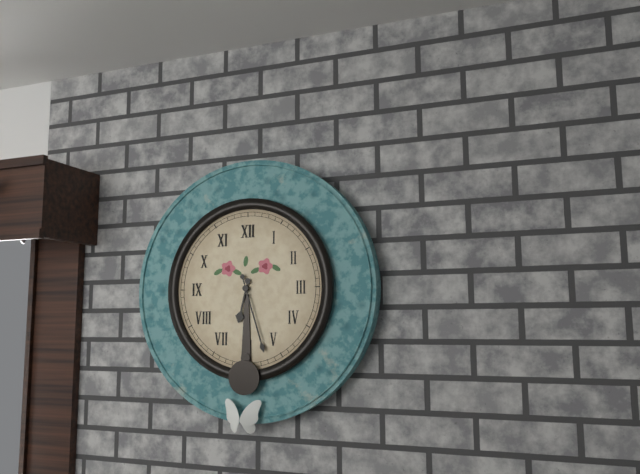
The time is h=6 m=27
